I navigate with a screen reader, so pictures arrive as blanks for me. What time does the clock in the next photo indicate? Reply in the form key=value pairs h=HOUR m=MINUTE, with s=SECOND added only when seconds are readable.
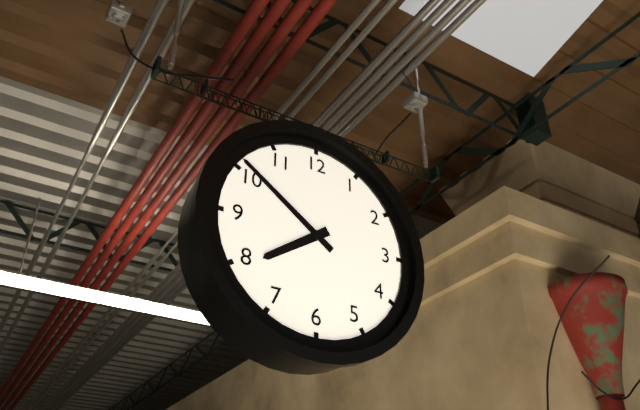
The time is h=7 m=51
